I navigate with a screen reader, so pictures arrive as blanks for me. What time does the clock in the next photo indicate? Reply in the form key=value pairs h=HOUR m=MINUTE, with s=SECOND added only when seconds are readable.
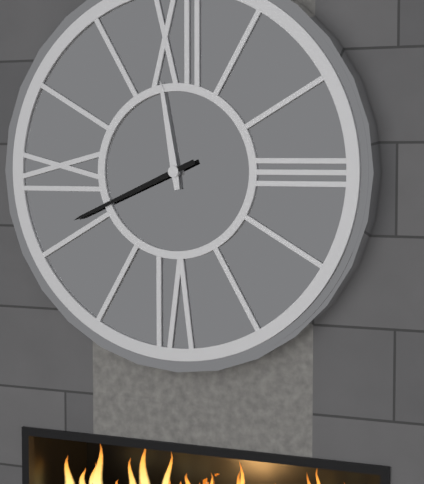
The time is h=11 m=41
